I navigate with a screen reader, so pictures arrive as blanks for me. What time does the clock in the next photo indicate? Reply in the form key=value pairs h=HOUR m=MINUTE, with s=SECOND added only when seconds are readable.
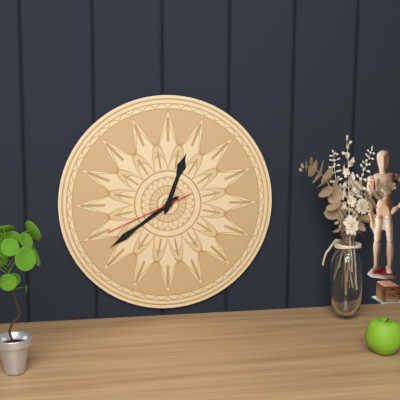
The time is h=12 m=39 s=41
